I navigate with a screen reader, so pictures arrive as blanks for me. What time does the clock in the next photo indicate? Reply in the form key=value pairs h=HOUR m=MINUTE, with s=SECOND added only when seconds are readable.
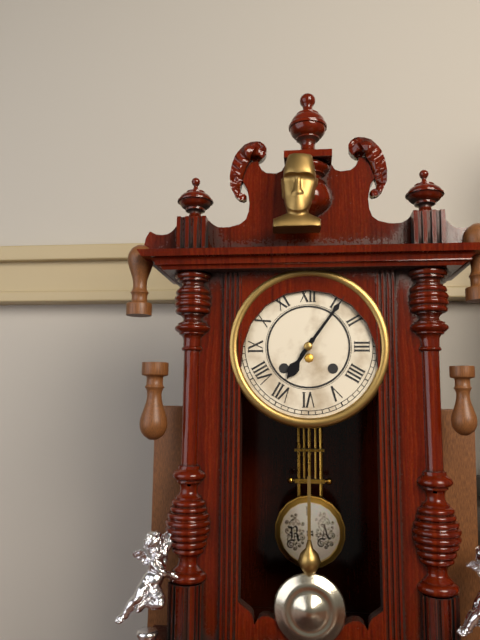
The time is h=7 m=6
